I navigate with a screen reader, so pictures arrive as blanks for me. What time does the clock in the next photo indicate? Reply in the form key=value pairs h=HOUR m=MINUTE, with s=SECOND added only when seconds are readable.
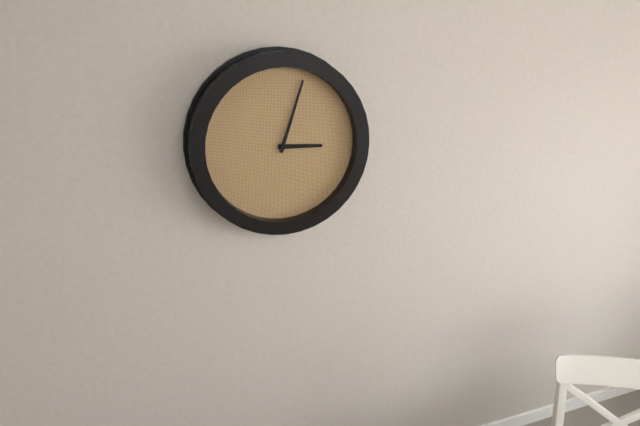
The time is h=3 m=3
